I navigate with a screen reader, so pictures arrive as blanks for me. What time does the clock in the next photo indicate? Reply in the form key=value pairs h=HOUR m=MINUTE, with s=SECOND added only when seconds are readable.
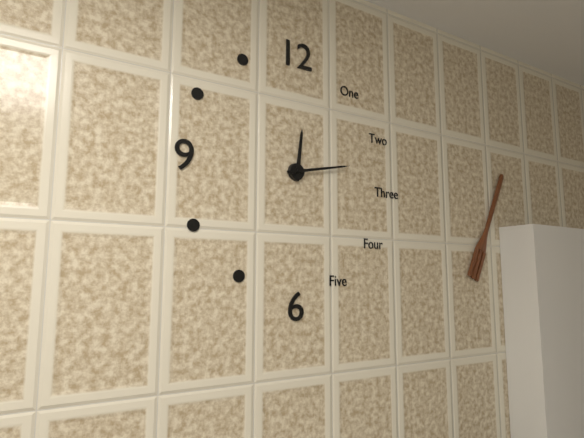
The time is h=12 m=13
